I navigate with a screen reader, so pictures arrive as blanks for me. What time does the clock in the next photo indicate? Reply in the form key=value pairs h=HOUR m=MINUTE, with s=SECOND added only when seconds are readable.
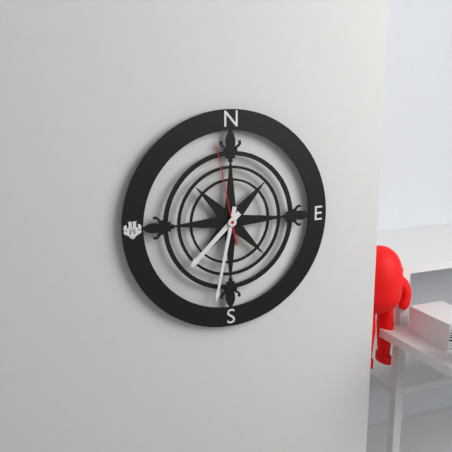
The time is h=7 m=32 s=58
